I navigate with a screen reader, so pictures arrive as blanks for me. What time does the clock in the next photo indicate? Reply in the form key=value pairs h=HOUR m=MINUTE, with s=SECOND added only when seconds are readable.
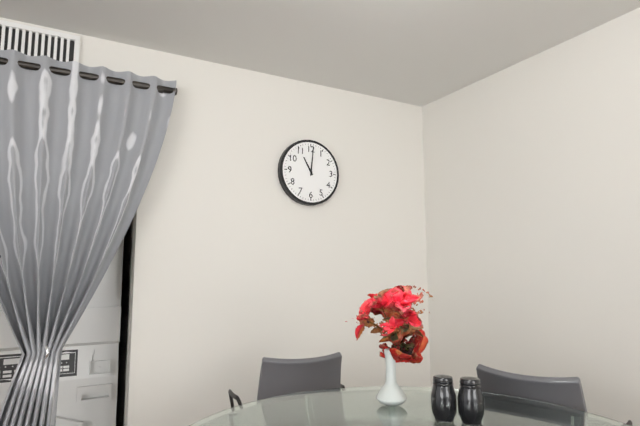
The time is h=11 m=1
